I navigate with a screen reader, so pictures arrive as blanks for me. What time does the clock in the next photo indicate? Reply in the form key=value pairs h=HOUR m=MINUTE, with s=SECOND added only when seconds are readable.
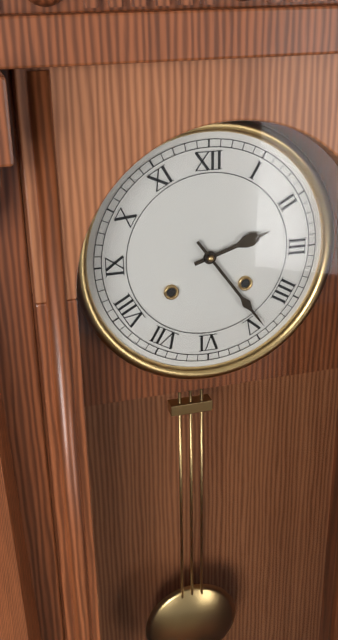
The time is h=2 m=24
